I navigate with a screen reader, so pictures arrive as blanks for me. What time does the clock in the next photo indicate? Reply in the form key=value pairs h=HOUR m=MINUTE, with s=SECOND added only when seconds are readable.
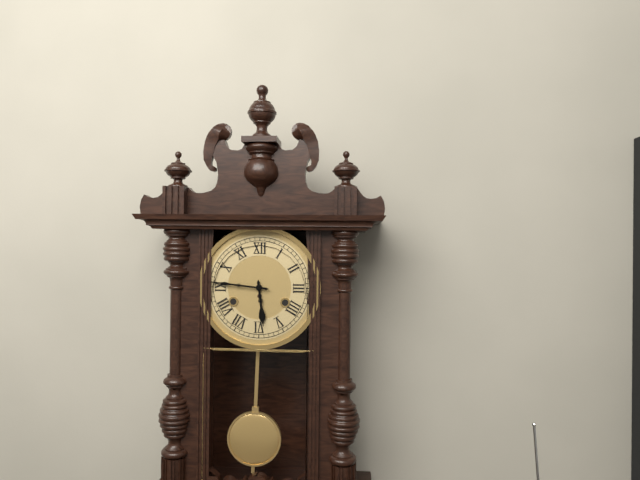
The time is h=5 m=46
